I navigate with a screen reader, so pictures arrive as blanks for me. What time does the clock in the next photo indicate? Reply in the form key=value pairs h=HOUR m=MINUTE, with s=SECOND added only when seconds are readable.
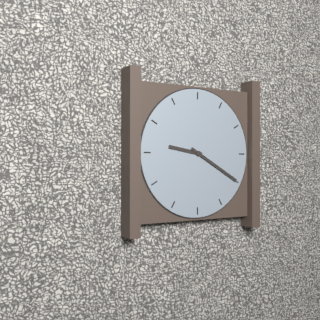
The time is h=9 m=20
